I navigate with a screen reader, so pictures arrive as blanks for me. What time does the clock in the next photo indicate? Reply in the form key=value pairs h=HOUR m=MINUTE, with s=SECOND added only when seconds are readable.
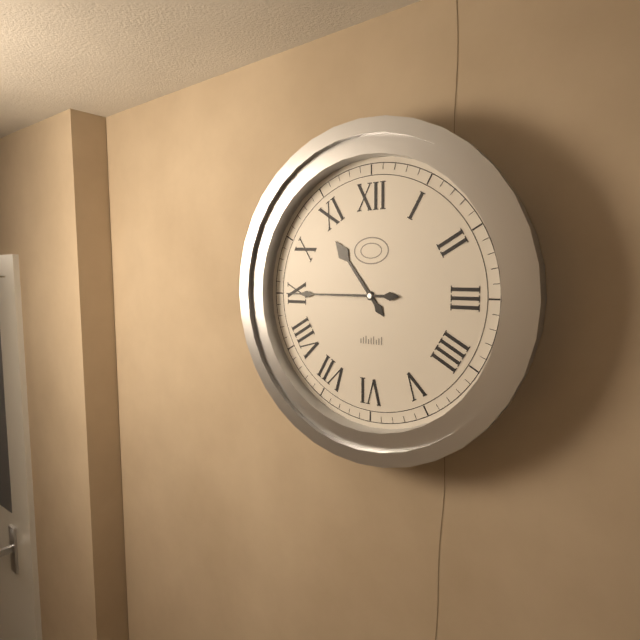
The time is h=10 m=45
